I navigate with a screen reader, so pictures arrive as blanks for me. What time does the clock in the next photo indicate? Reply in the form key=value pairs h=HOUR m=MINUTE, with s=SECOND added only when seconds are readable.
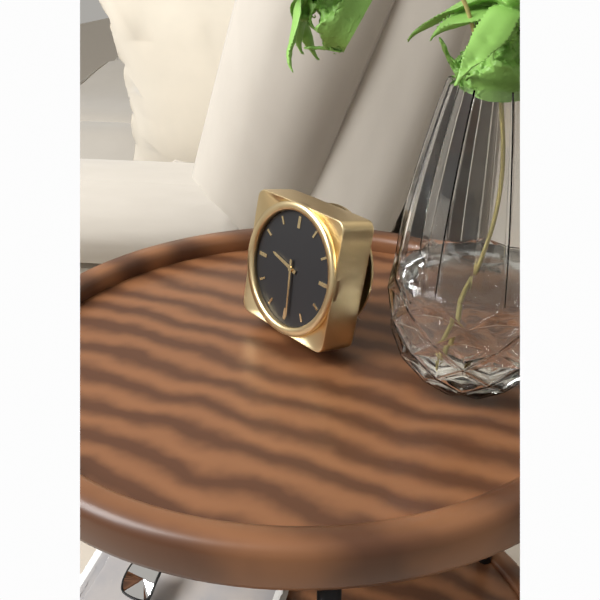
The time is h=9 m=29
